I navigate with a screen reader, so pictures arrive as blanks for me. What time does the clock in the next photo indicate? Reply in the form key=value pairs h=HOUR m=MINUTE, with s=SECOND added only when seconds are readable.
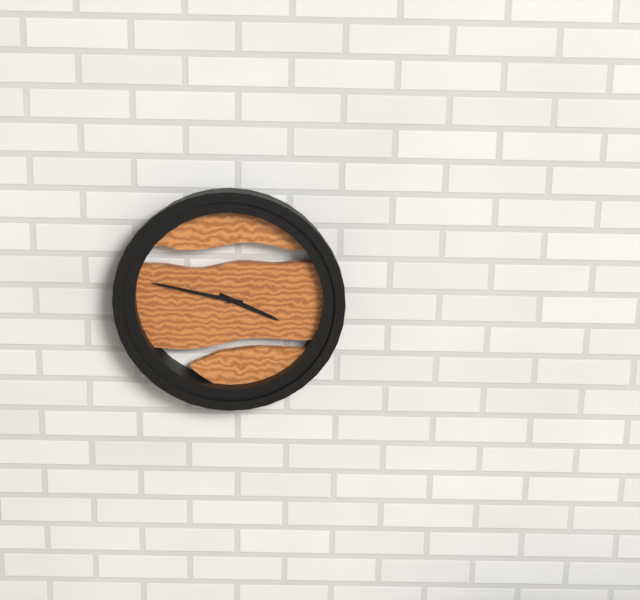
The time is h=3 m=47
